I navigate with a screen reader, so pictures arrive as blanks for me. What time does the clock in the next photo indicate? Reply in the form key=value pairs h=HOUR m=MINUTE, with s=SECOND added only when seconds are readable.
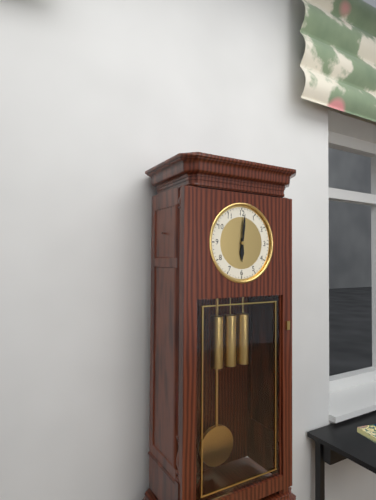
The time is h=6 m=1
